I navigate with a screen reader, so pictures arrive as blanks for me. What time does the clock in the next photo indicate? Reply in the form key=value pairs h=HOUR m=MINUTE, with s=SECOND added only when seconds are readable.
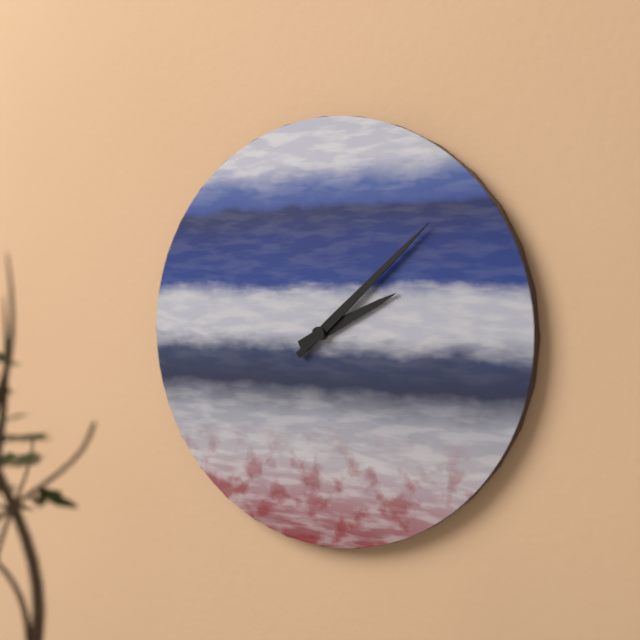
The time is h=2 m=8
